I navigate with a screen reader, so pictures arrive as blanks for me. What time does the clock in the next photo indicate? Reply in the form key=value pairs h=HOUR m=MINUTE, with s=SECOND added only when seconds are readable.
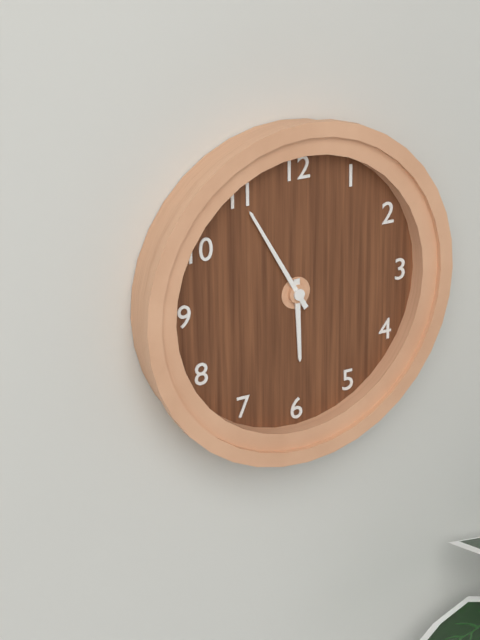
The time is h=5 m=55
